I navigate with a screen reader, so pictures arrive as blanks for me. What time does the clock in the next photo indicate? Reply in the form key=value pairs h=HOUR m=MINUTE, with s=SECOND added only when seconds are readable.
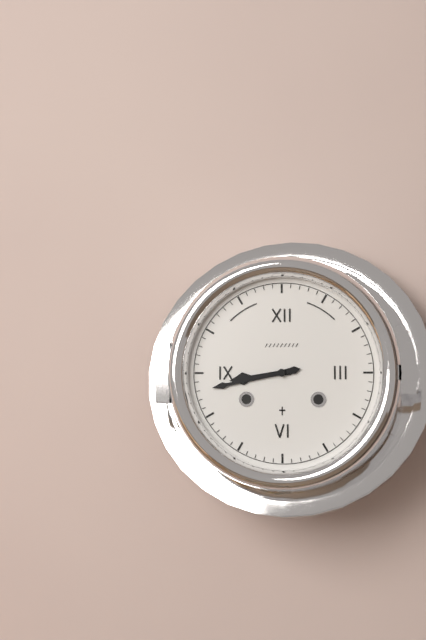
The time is h=8 m=43
